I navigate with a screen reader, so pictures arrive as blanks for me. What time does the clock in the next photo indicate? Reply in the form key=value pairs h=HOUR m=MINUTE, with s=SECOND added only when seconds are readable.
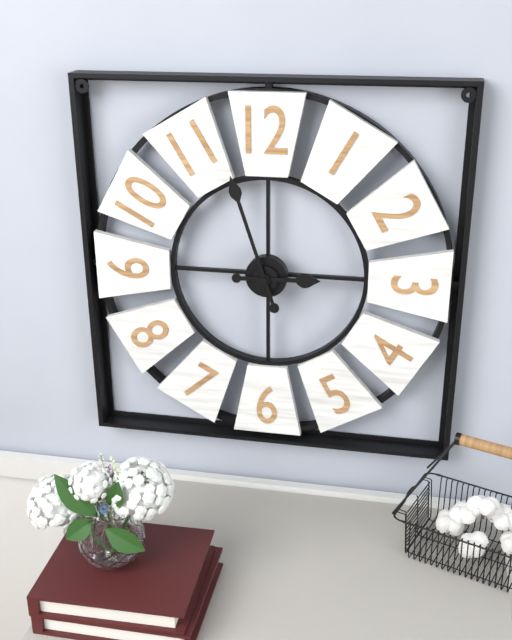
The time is h=2 m=57
